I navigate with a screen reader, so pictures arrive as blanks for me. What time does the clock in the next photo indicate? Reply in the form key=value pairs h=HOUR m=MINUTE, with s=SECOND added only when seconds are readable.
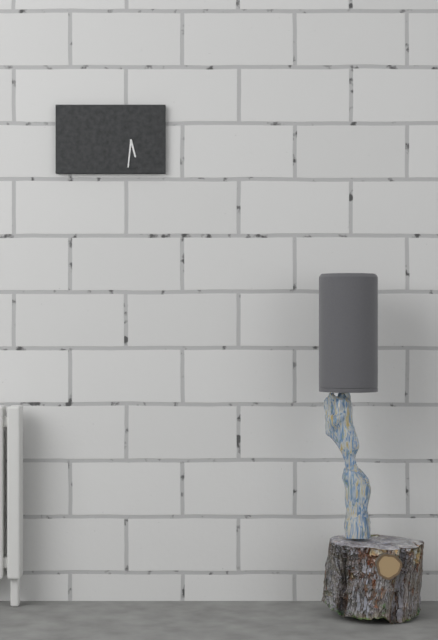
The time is h=5 m=31
